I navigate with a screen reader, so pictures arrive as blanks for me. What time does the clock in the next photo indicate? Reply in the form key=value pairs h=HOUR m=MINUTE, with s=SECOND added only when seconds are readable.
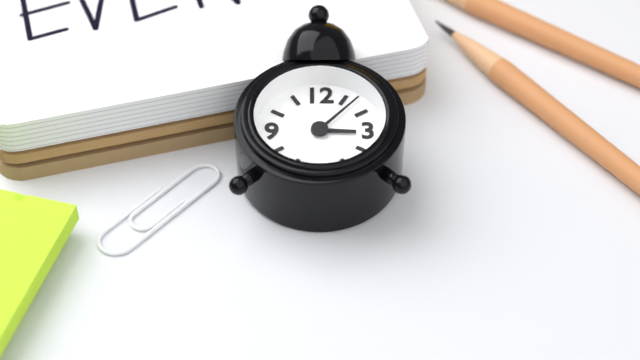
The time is h=3 m=7
